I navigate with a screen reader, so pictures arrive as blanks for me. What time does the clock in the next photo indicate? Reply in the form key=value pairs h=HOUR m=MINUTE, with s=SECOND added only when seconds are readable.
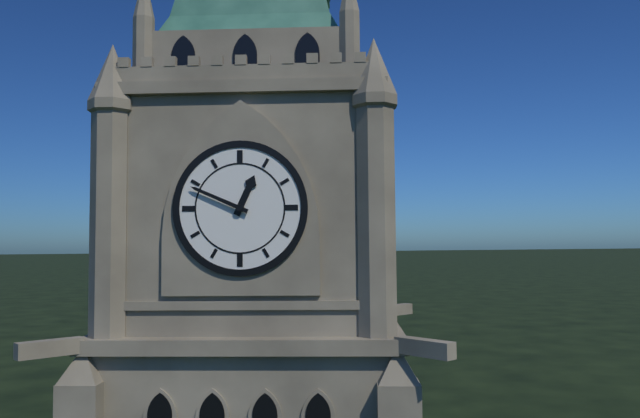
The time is h=12 m=49
